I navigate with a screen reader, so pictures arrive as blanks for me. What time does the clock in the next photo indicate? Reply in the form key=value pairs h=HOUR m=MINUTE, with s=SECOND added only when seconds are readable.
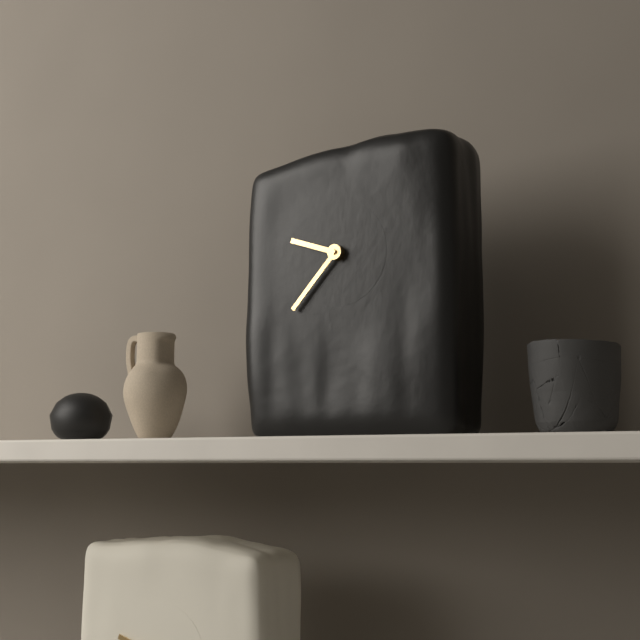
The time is h=9 m=37
